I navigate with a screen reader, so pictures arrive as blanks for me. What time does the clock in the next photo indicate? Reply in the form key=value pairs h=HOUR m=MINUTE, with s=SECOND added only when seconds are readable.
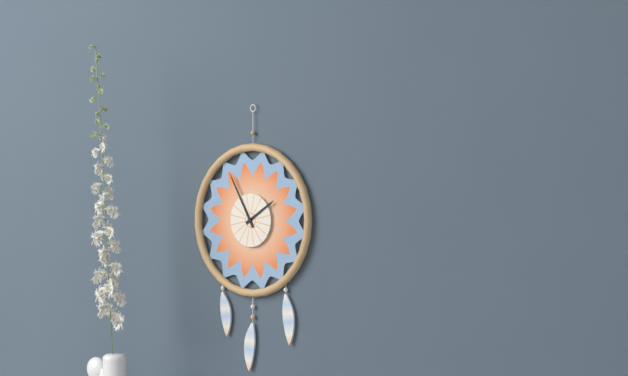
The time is h=1 m=55
